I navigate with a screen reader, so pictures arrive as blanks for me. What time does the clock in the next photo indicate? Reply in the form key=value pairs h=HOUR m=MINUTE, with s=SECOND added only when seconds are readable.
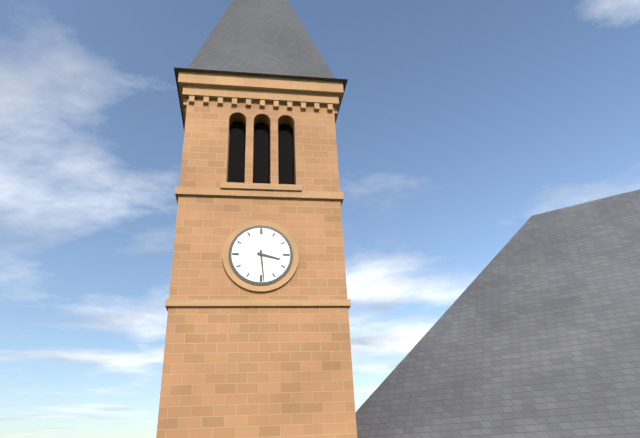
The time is h=3 m=29
